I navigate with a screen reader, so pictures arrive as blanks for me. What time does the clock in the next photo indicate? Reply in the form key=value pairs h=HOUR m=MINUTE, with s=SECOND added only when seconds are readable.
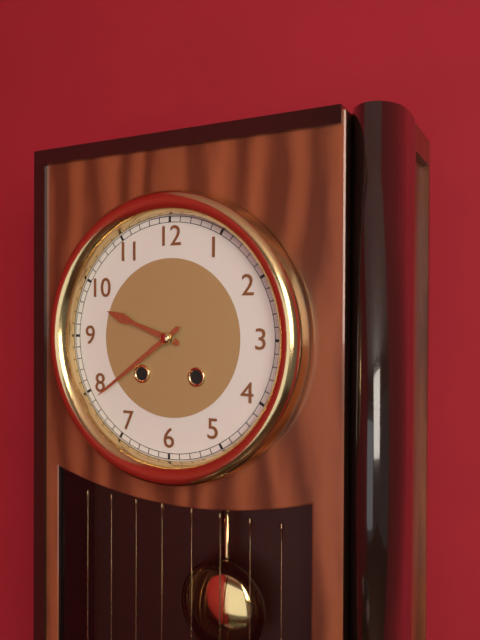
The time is h=9 m=39
